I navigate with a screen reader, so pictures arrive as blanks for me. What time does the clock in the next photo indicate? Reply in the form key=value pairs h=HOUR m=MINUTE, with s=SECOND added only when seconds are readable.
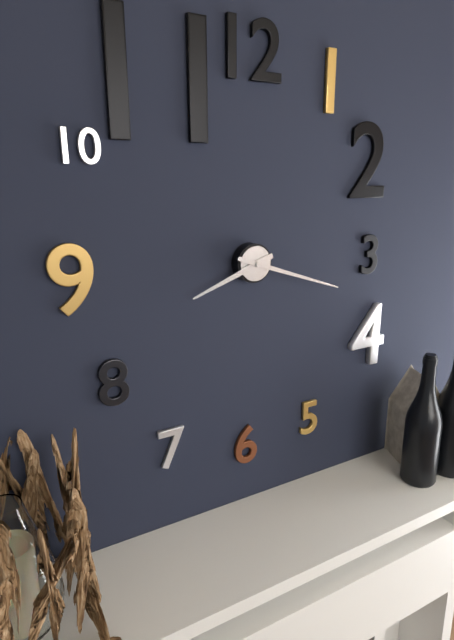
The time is h=8 m=18
